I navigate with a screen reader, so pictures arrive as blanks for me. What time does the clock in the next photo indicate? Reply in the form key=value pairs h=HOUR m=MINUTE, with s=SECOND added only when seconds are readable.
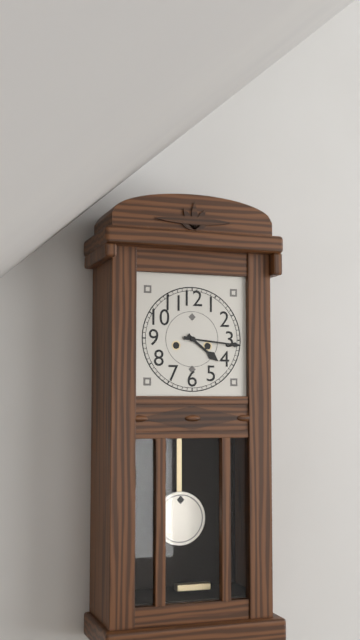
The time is h=4 m=16
